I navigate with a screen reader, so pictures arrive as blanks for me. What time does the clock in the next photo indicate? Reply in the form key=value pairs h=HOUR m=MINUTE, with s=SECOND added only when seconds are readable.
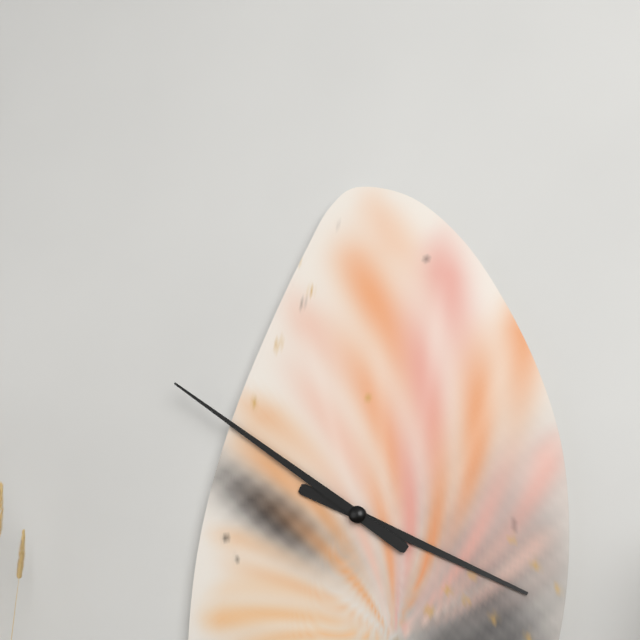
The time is h=3 m=51
